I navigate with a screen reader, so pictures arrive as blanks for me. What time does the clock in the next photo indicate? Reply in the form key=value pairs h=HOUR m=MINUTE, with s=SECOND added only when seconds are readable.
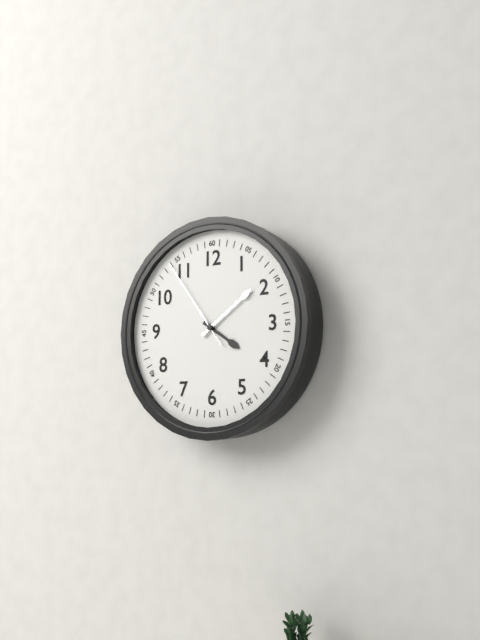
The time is h=4 m=9 s=54
